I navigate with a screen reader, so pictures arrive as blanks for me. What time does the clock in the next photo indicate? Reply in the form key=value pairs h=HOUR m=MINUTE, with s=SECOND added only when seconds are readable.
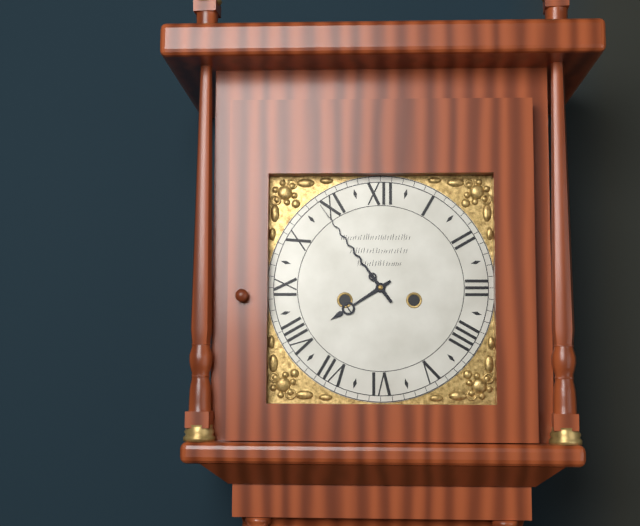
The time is h=7 m=54
